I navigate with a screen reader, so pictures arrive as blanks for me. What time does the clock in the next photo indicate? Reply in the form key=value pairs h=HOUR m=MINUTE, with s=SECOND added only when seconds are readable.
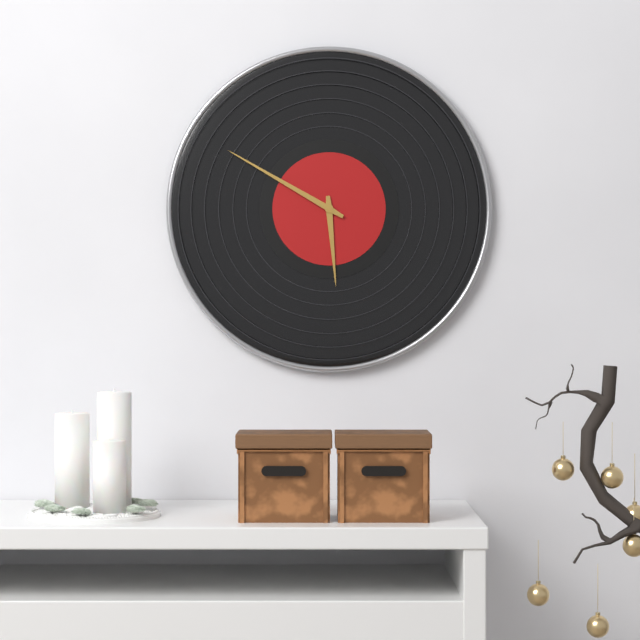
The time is h=5 m=50
